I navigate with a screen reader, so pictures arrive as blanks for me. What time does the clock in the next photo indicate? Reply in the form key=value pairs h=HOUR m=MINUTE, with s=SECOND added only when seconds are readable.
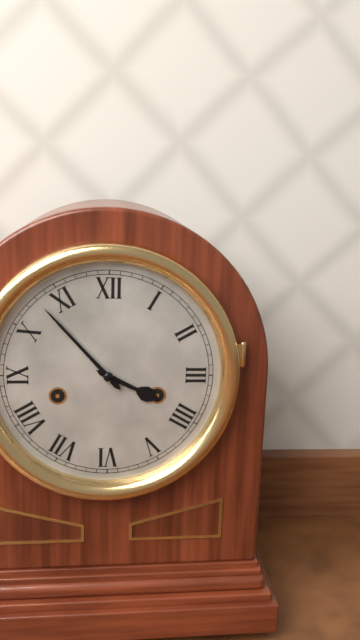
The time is h=3 m=53
